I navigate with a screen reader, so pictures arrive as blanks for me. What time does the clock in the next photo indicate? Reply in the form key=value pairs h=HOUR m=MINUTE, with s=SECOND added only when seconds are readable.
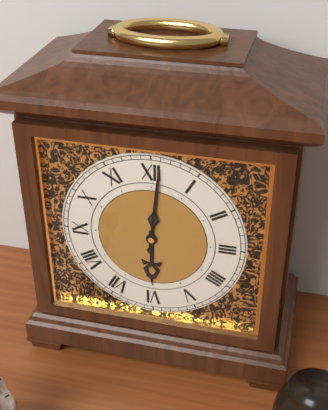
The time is h=6 m=1
